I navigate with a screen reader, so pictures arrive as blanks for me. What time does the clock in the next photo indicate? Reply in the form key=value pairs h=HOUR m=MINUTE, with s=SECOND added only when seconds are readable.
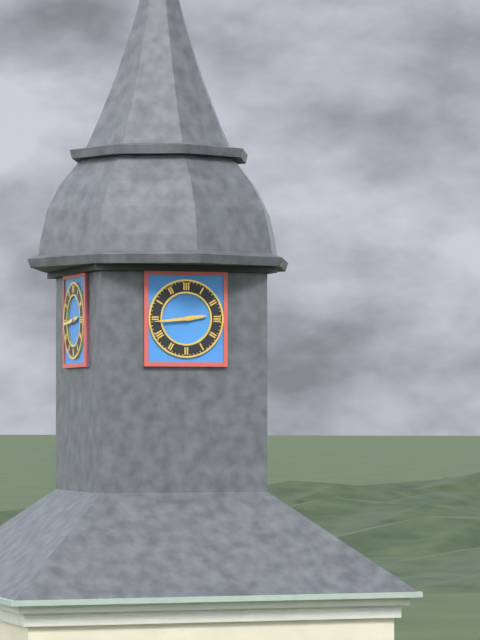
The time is h=2 m=44
